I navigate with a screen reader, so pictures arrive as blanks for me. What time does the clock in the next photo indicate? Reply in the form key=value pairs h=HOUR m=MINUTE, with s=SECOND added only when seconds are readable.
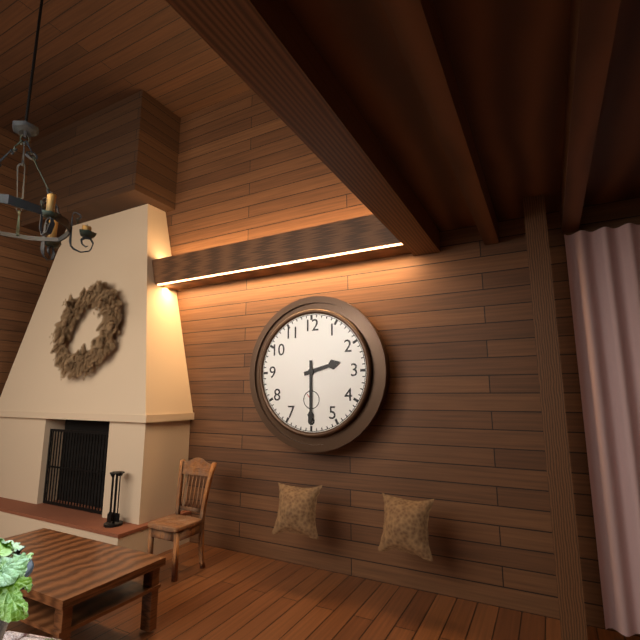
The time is h=2 m=30
